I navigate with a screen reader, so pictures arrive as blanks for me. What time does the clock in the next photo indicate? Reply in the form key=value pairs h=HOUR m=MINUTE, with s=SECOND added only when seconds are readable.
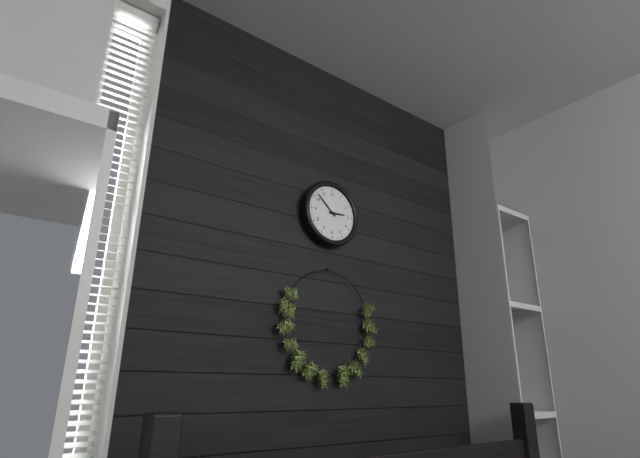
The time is h=2 m=52
